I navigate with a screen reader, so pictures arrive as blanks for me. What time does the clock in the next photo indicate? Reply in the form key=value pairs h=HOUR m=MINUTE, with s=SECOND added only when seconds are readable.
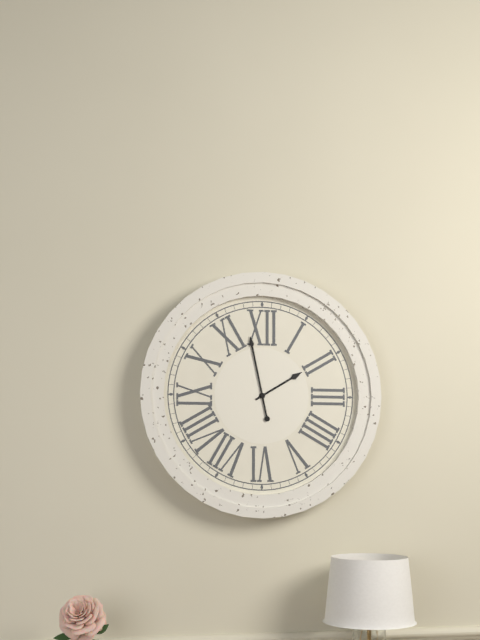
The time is h=1 m=58
